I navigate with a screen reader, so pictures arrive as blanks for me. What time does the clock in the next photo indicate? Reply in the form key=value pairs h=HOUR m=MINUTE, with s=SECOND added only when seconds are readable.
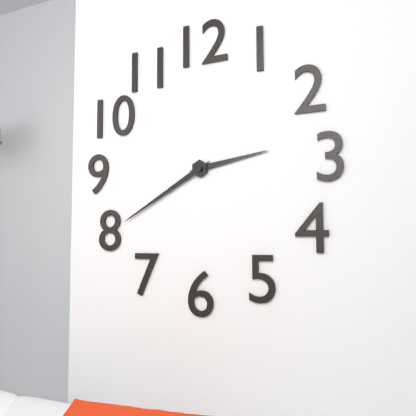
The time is h=2 m=40
